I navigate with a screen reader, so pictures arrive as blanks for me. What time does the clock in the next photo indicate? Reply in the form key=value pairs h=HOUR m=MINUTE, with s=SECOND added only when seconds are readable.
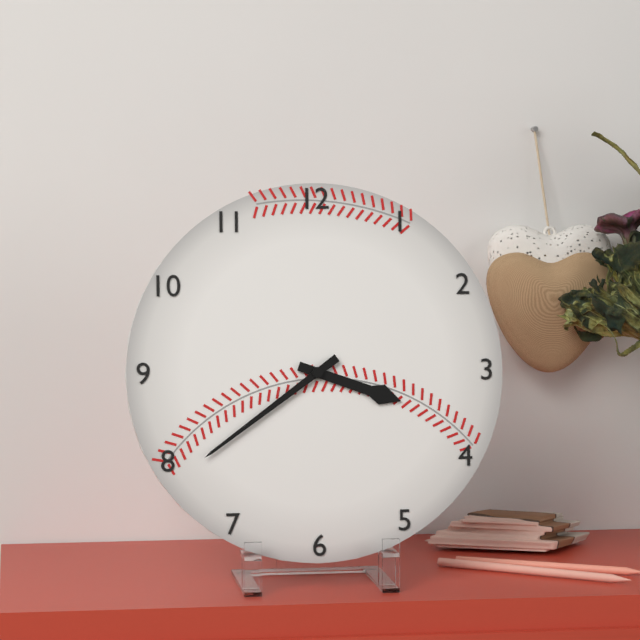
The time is h=3 m=39
